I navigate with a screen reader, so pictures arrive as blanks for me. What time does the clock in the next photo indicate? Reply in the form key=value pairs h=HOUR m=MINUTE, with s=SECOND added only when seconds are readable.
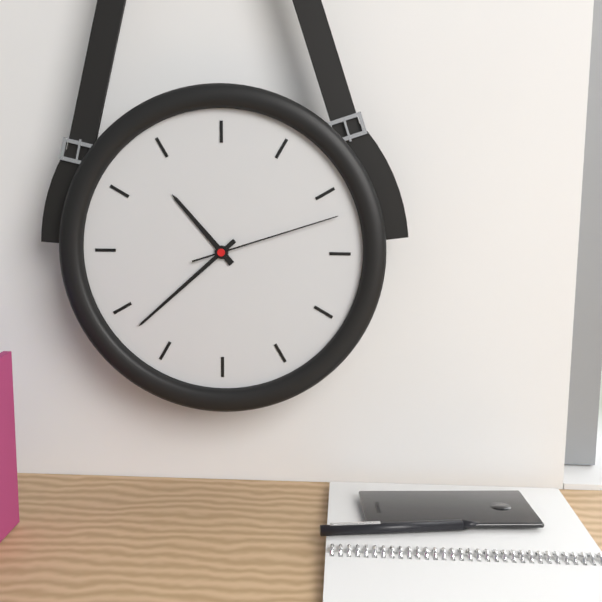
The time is h=10 m=38 s=12
